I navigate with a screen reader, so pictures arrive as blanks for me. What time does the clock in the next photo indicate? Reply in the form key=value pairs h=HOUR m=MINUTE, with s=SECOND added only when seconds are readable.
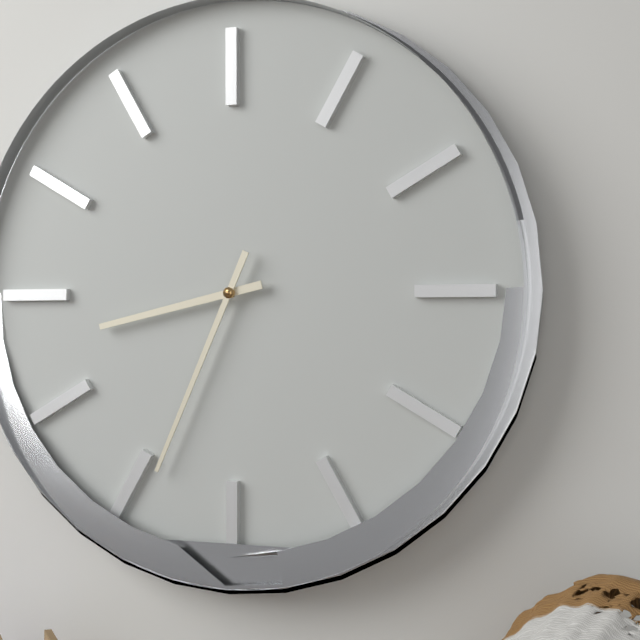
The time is h=8 m=34
